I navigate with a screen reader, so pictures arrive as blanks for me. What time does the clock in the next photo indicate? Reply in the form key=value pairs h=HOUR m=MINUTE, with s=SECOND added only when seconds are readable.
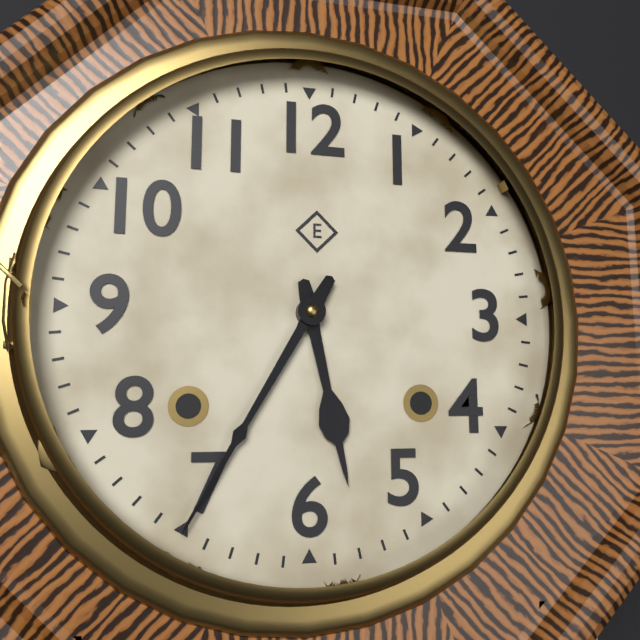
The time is h=5 m=35
